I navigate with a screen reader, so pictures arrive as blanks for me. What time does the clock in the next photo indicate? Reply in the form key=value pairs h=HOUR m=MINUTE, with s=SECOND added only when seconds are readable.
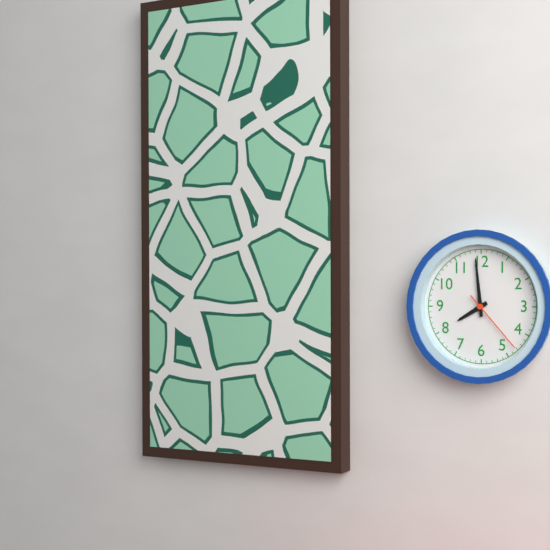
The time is h=7 m=59 s=23
